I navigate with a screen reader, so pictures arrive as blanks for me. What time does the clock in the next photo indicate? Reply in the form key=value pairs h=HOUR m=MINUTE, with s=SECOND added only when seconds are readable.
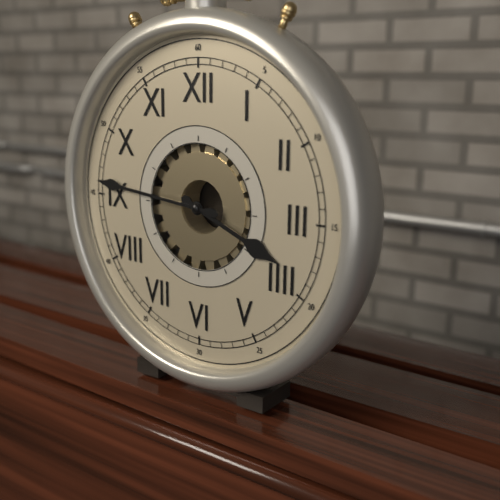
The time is h=3 m=46
